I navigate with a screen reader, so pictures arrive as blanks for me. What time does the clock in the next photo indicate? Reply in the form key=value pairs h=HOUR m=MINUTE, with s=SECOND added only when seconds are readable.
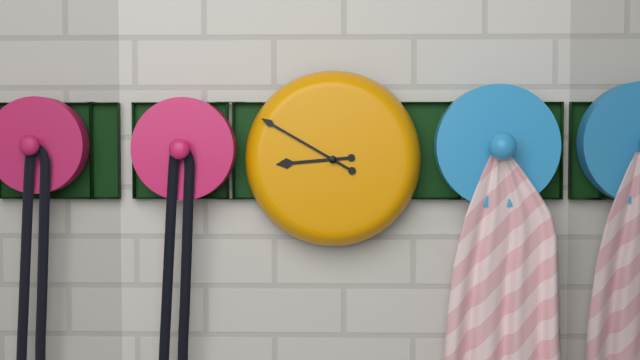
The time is h=8 m=50
